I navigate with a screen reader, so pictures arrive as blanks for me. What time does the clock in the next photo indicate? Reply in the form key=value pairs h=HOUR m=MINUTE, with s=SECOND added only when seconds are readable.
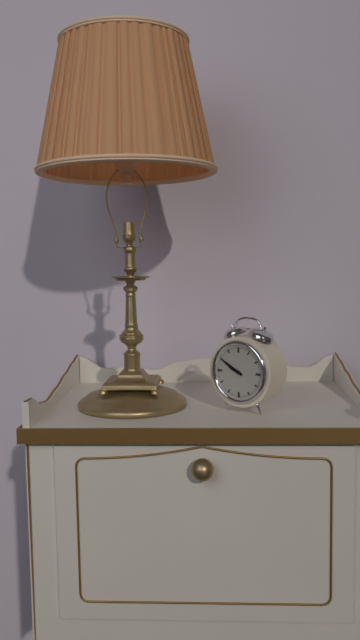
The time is h=9 m=50
